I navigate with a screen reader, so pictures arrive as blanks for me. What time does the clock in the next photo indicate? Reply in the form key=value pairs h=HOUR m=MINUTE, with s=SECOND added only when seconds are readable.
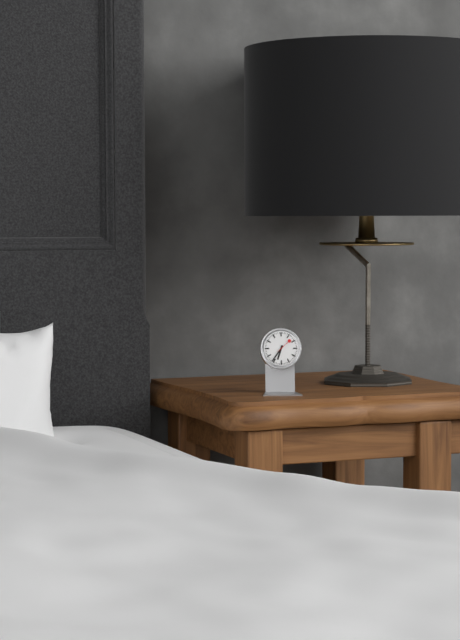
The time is h=6 m=36
